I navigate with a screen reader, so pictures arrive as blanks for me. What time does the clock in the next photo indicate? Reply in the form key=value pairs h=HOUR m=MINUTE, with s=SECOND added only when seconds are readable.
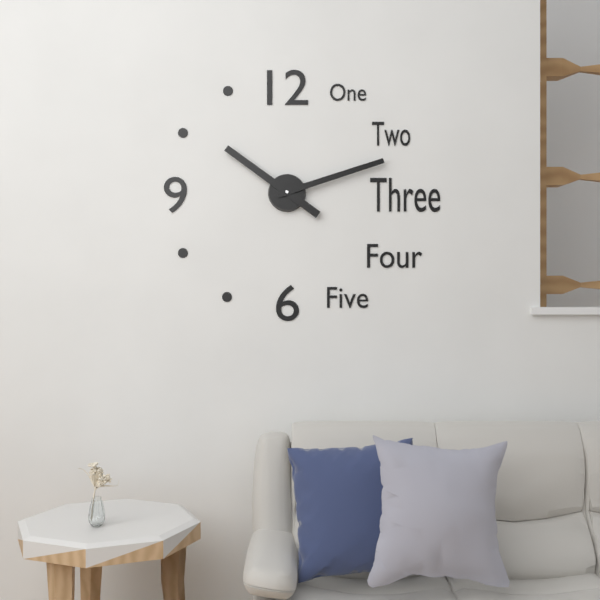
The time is h=10 m=12
